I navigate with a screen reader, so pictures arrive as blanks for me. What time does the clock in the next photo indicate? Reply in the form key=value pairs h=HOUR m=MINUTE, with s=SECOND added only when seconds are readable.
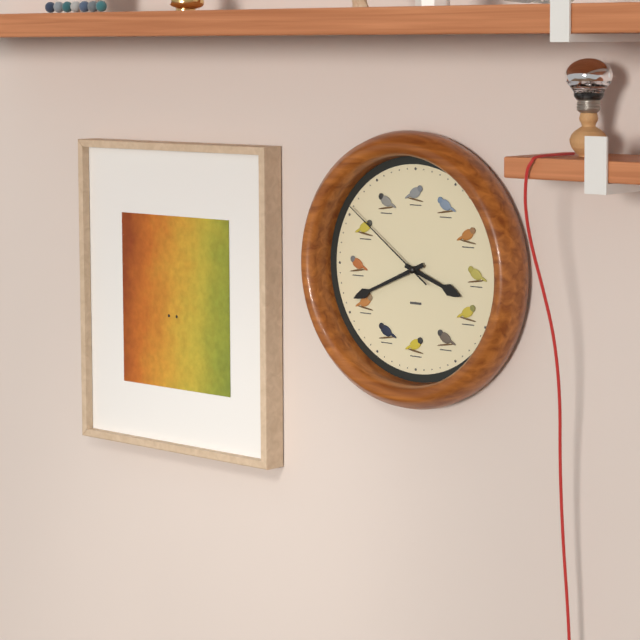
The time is h=3 m=41 s=51
